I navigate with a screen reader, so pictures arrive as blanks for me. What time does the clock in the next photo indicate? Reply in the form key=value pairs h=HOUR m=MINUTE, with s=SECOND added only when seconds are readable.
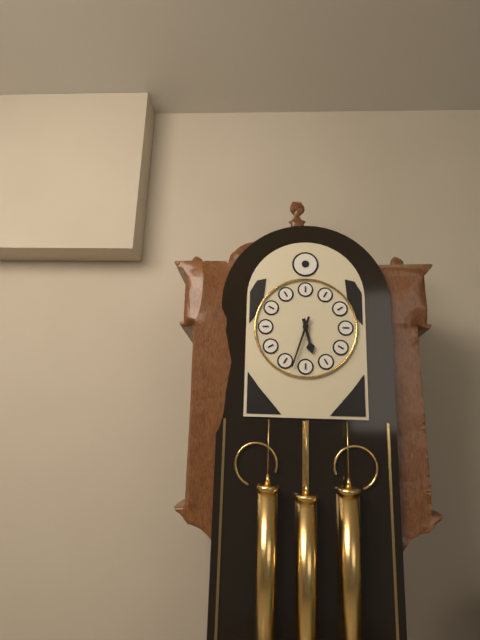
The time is h=5 m=33
